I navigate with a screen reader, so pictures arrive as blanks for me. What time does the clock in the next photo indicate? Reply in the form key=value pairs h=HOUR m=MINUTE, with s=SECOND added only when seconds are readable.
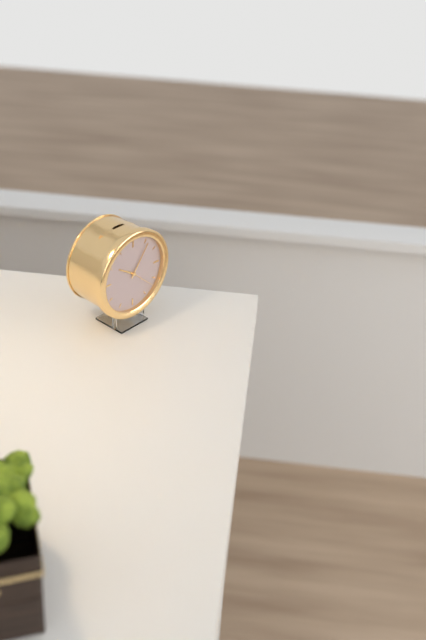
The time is h=10 m=6
